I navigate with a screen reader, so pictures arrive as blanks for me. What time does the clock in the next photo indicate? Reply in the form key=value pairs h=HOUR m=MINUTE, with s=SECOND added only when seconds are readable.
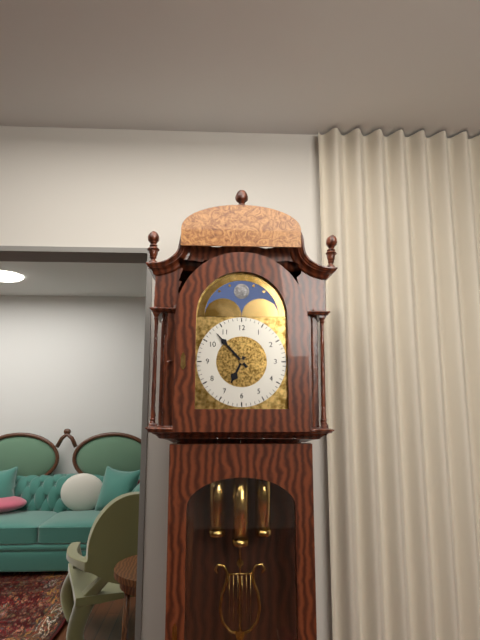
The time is h=6 m=53
